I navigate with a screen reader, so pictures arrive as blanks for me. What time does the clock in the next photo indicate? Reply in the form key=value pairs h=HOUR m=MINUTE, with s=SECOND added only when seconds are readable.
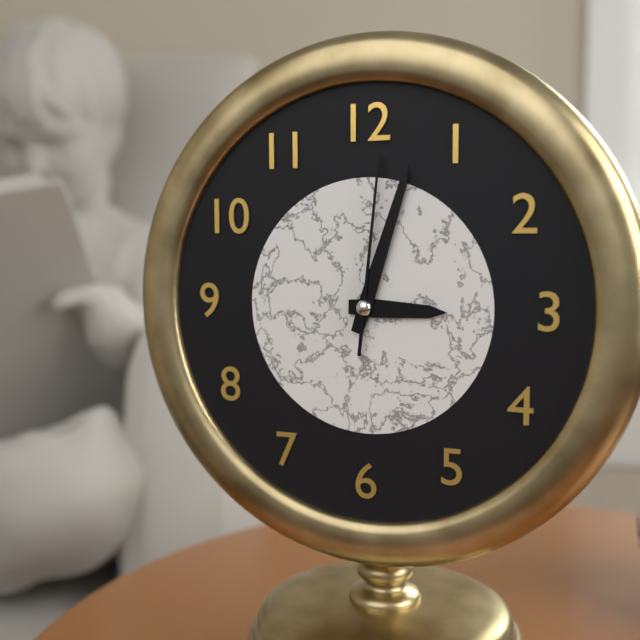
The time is h=3 m=3 s=1
